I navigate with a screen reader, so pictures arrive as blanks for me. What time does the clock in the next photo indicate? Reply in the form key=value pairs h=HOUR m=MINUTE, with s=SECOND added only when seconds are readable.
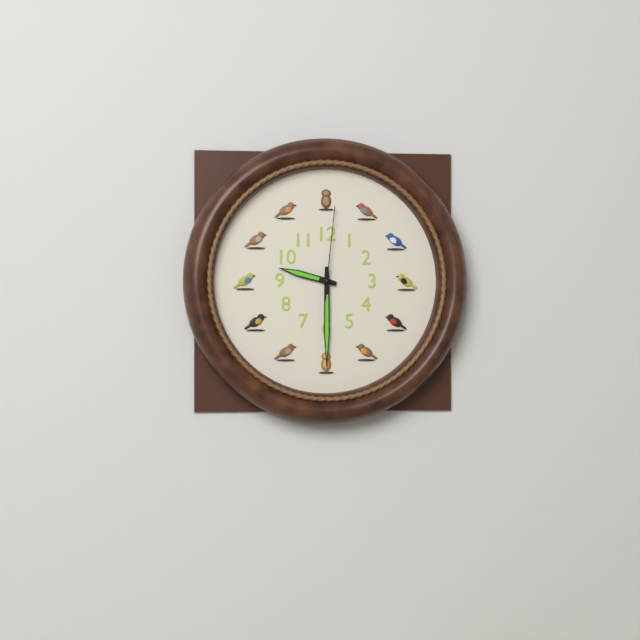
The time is h=9 m=30 s=1
